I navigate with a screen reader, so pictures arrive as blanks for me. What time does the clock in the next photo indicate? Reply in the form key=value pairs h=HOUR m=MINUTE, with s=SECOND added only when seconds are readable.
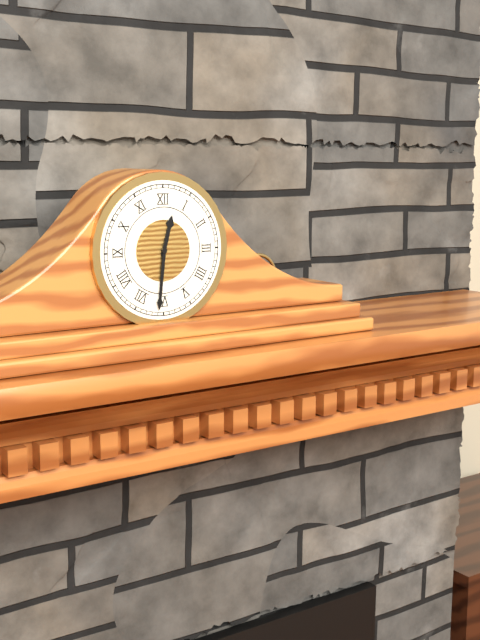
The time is h=12 m=31
